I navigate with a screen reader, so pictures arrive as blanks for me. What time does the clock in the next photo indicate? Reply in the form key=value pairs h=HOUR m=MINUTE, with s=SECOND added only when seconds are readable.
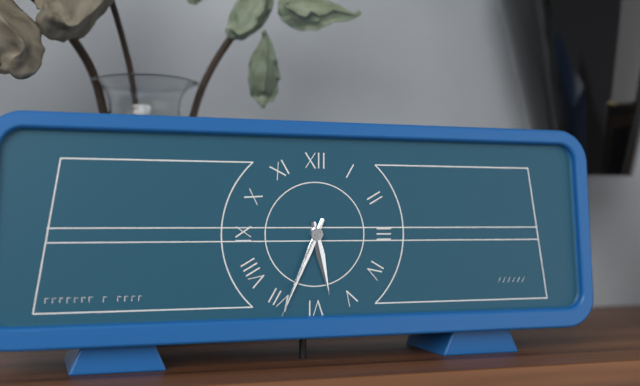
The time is h=5 m=34
